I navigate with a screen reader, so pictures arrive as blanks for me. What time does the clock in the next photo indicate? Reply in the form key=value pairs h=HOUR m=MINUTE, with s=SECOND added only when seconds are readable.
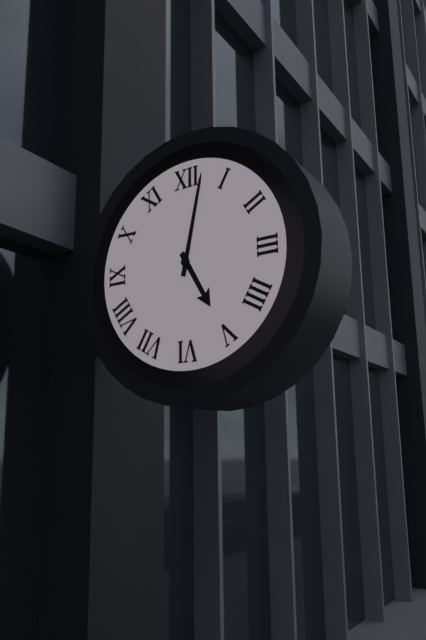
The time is h=5 m=2
